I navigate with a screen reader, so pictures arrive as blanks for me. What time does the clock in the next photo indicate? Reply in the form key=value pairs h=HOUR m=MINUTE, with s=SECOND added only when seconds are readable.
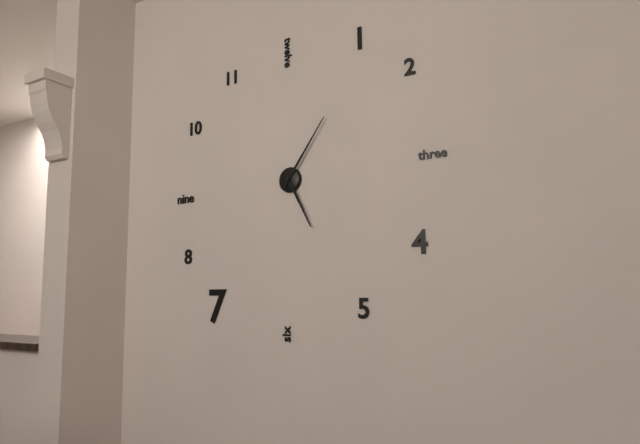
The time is h=5 m=6
